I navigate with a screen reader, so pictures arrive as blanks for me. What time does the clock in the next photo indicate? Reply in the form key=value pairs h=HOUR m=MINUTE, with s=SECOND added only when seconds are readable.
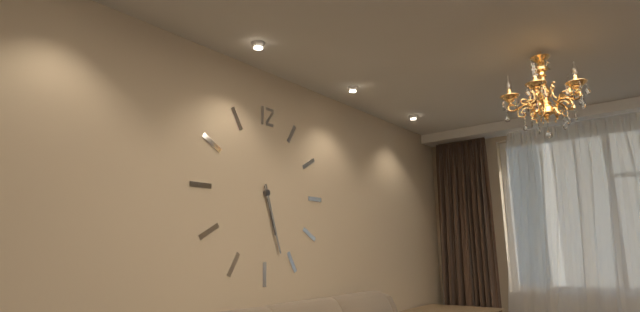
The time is h=5 m=27
